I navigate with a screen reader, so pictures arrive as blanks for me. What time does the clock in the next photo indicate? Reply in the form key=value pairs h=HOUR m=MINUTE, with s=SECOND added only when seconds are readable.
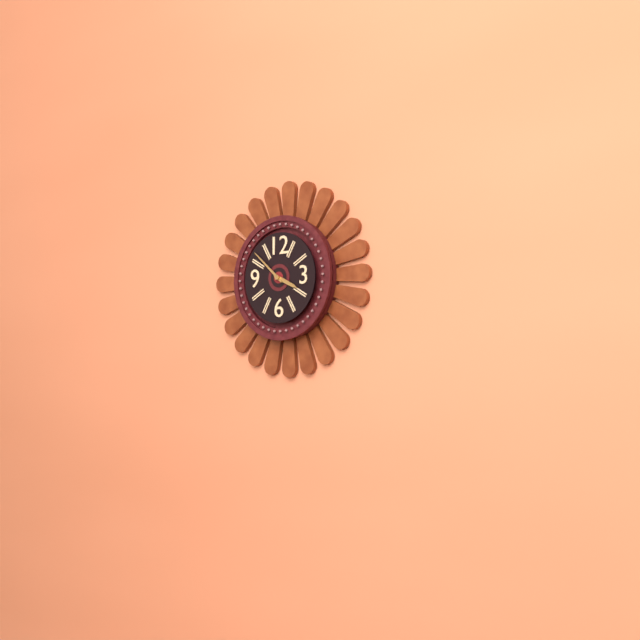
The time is h=3 m=52
